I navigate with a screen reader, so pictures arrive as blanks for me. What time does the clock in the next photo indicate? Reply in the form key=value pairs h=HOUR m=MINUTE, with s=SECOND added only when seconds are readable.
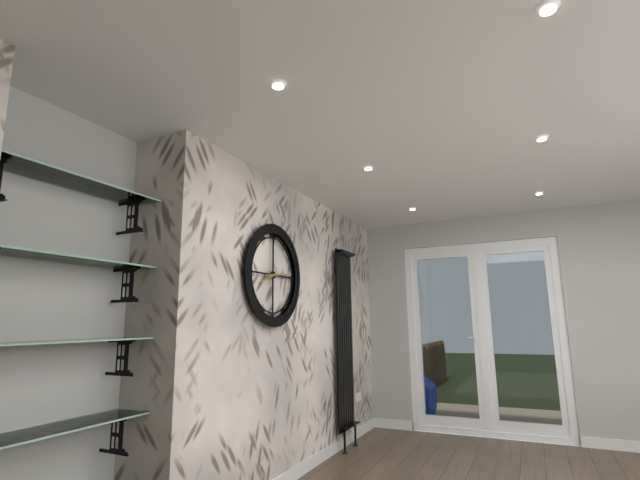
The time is h=8 m=14
